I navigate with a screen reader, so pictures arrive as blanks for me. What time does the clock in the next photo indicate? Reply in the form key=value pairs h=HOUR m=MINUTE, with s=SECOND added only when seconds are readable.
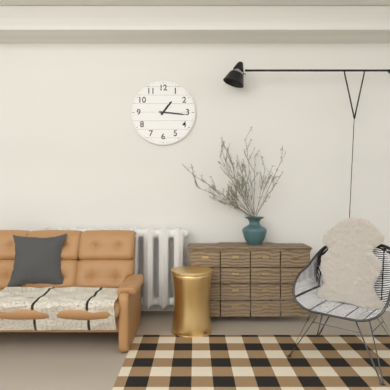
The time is h=1 m=16
